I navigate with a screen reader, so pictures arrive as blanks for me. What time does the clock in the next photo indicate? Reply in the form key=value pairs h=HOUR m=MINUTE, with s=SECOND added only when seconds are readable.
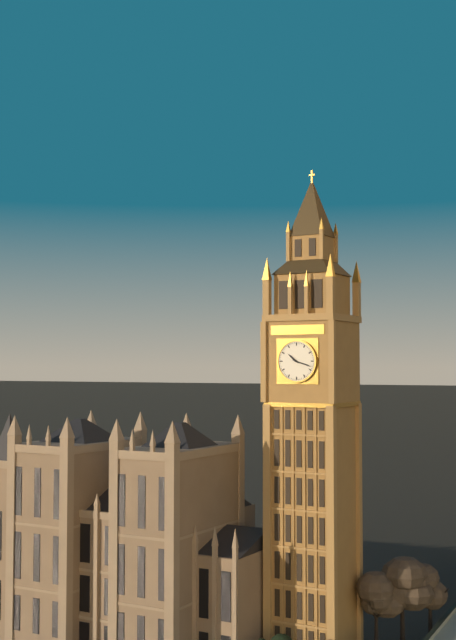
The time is h=10 m=18
